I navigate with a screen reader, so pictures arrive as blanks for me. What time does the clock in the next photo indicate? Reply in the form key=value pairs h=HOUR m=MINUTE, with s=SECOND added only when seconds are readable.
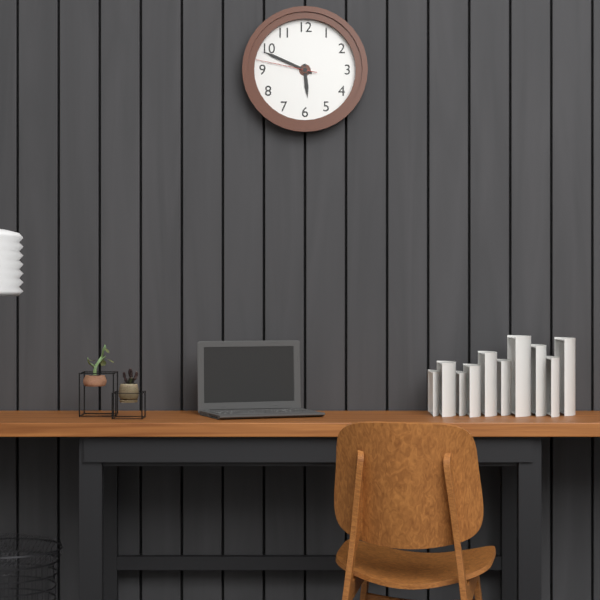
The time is h=5 m=49 s=47
